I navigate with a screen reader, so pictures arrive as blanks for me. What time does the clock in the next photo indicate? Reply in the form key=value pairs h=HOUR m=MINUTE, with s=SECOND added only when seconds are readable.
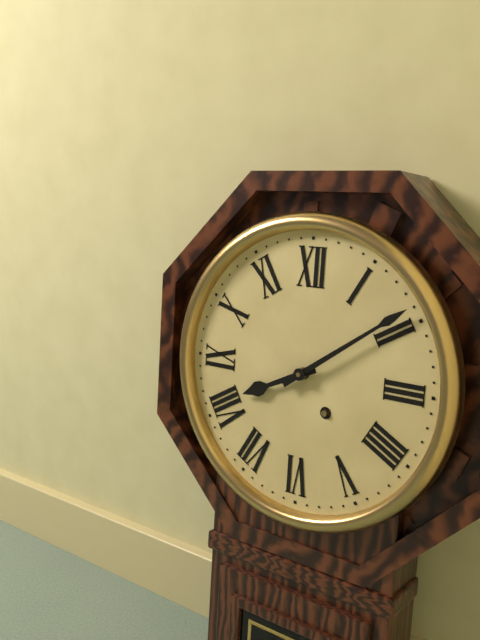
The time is h=8 m=9
